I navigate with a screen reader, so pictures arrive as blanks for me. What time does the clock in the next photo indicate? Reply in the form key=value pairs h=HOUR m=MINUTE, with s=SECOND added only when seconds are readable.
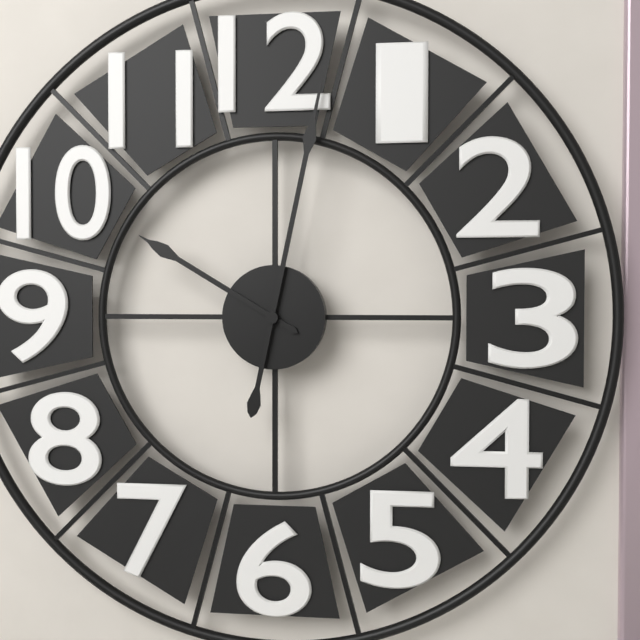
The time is h=10 m=2
